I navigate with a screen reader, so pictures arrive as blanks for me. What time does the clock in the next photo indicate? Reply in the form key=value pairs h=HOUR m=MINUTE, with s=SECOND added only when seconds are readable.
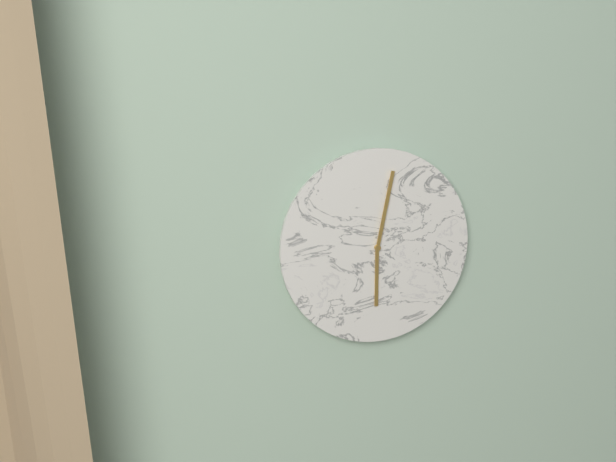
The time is h=6 m=2
